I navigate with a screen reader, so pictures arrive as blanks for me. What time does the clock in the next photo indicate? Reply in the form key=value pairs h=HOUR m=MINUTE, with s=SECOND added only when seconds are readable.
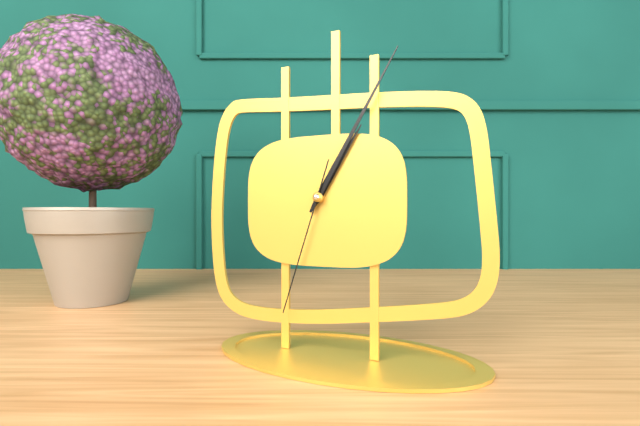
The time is h=1 m=5 s=33
